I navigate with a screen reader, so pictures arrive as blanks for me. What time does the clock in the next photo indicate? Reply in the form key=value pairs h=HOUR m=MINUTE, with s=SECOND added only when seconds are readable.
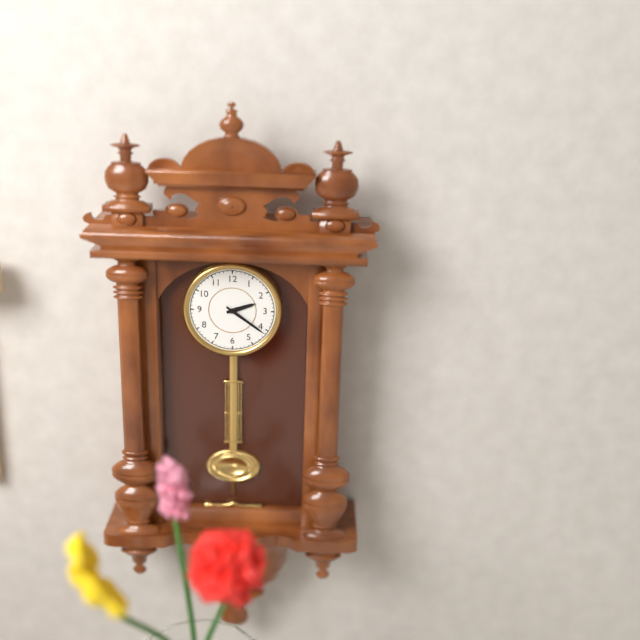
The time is h=2 m=21
